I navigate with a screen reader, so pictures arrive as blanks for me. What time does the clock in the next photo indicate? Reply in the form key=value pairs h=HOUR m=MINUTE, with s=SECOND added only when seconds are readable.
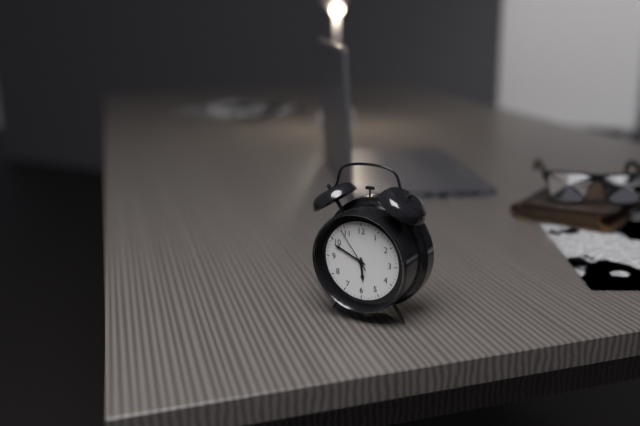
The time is h=5 m=49
